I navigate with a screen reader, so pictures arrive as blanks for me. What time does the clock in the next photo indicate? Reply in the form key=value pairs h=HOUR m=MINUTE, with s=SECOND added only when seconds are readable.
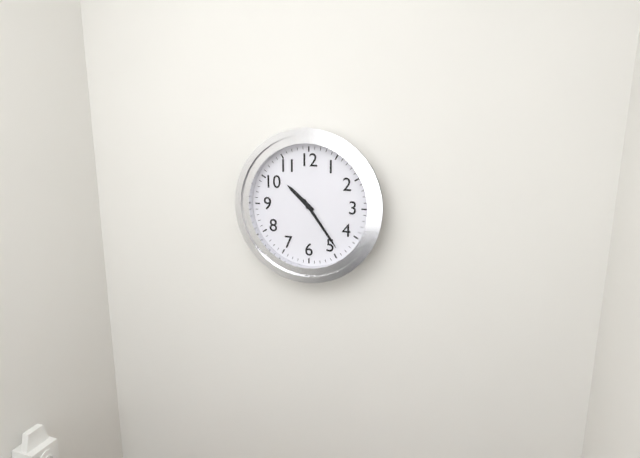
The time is h=10 m=24
